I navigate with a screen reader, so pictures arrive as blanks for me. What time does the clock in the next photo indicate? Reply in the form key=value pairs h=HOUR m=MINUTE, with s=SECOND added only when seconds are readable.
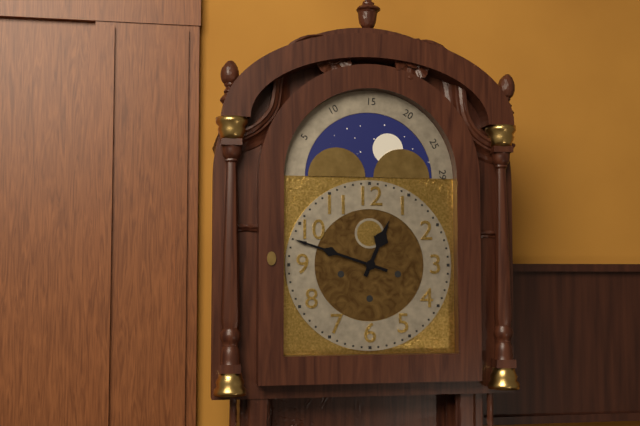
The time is h=12 m=48
